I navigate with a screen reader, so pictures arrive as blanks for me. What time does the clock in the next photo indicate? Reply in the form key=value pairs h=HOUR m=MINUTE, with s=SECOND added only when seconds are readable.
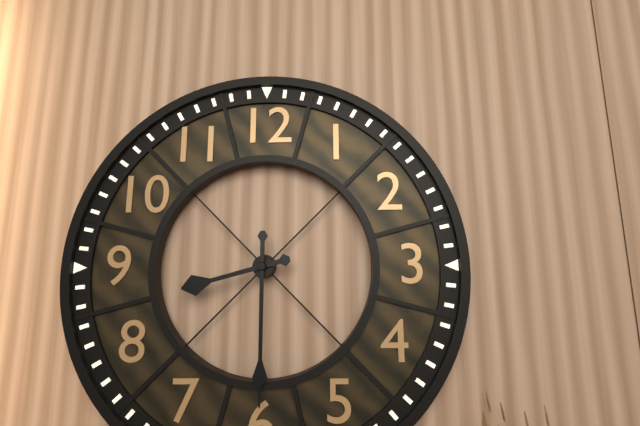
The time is h=8 m=30
